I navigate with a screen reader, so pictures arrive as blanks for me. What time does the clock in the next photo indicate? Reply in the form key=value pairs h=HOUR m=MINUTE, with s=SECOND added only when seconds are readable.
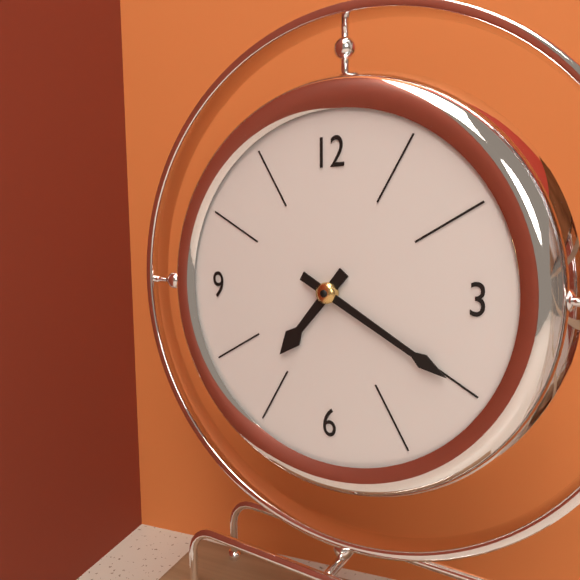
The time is h=7 m=20
